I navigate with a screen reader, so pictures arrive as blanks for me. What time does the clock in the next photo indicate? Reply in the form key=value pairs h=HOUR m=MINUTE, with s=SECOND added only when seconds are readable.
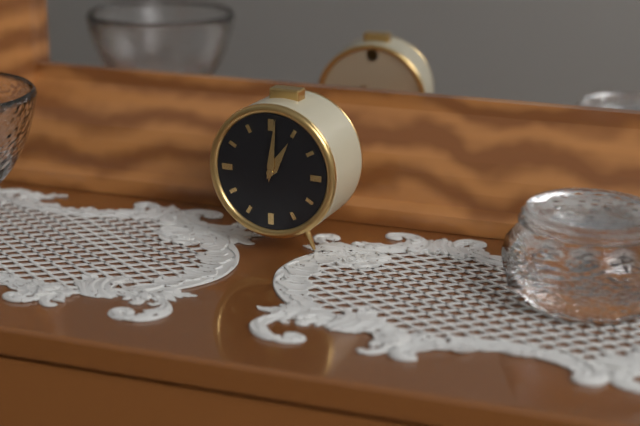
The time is h=1 m=1
